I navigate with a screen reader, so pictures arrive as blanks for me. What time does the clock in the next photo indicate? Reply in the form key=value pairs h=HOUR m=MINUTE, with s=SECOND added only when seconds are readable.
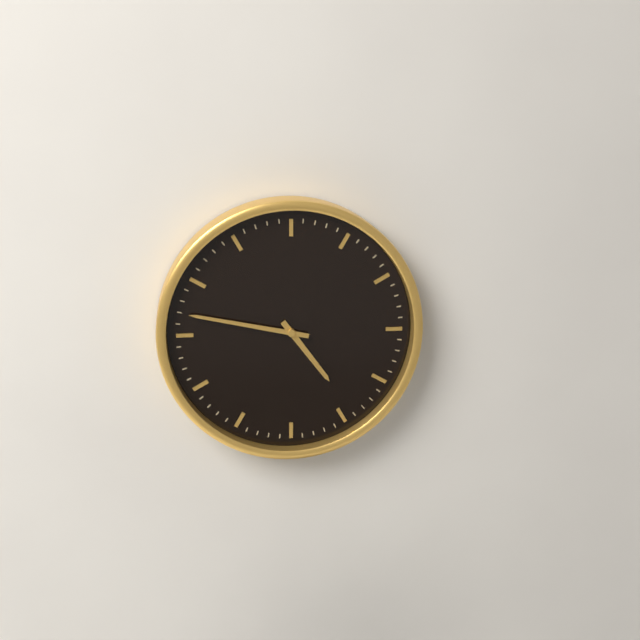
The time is h=4 m=47
